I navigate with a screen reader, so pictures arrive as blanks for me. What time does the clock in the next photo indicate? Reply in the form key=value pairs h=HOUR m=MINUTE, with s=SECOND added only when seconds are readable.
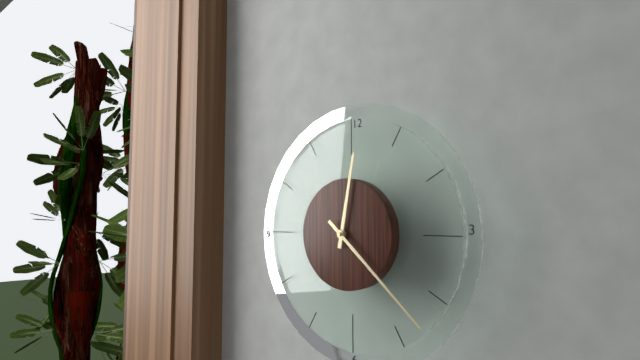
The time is h=12 m=22
